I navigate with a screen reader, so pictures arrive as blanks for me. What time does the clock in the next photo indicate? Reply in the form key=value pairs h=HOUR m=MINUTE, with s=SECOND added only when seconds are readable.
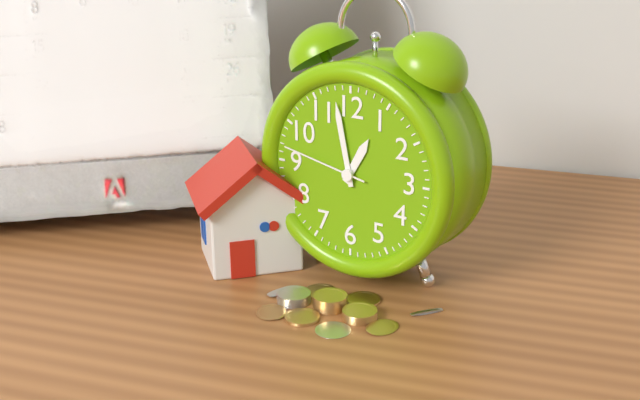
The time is h=12 m=58 s=47
